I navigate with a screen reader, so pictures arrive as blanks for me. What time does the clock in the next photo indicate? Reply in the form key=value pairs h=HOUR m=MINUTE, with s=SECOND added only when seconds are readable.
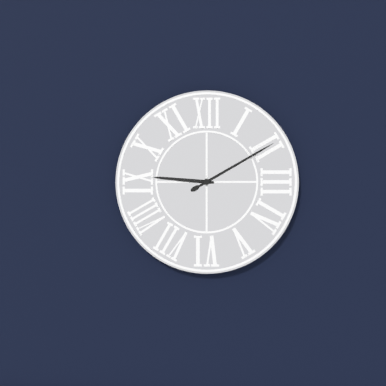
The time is h=9 m=10
